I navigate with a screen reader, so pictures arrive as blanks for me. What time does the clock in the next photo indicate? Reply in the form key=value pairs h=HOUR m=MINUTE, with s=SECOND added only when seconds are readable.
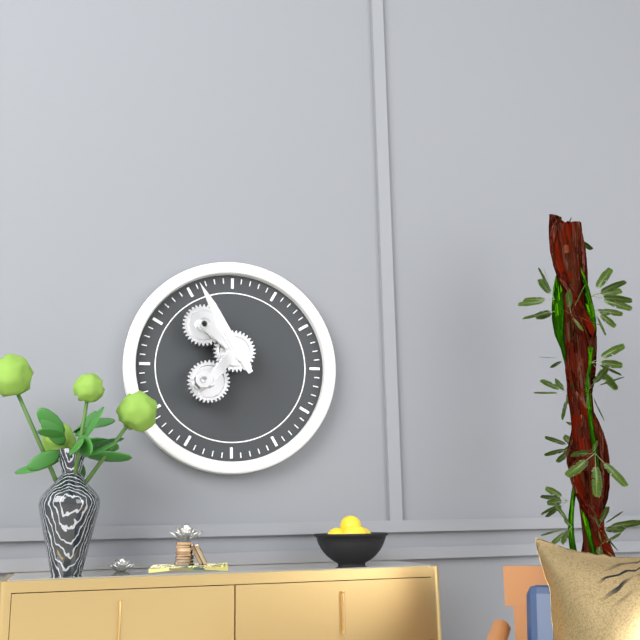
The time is h=10 m=55
